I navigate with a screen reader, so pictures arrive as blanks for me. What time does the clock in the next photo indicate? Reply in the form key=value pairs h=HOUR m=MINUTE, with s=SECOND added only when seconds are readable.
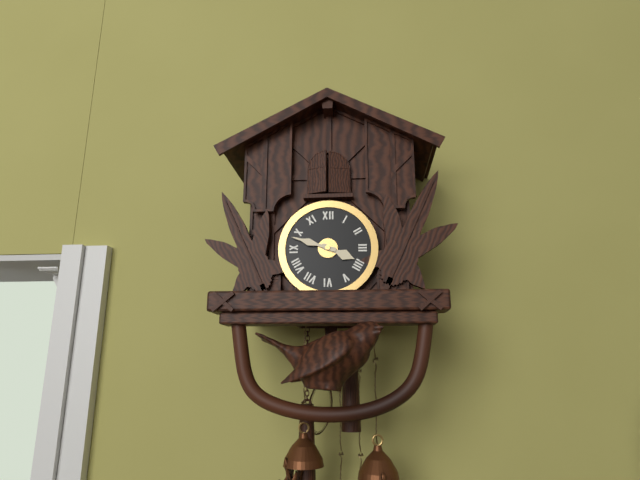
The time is h=3 m=48
